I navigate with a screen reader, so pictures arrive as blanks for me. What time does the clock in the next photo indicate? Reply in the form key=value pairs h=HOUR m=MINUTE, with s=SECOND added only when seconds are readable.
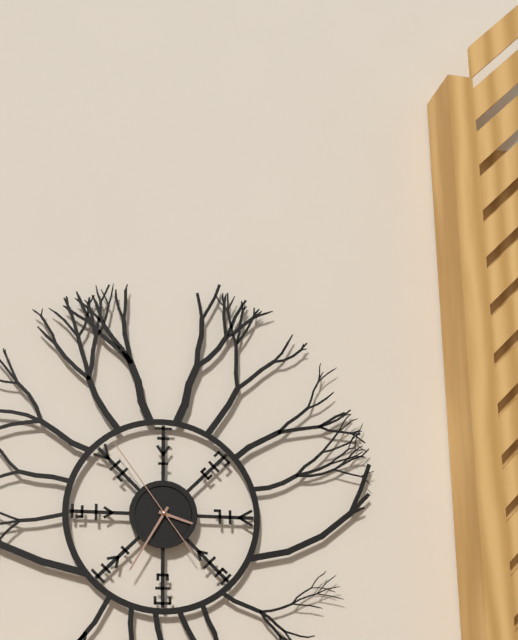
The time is h=3 m=35 s=54
